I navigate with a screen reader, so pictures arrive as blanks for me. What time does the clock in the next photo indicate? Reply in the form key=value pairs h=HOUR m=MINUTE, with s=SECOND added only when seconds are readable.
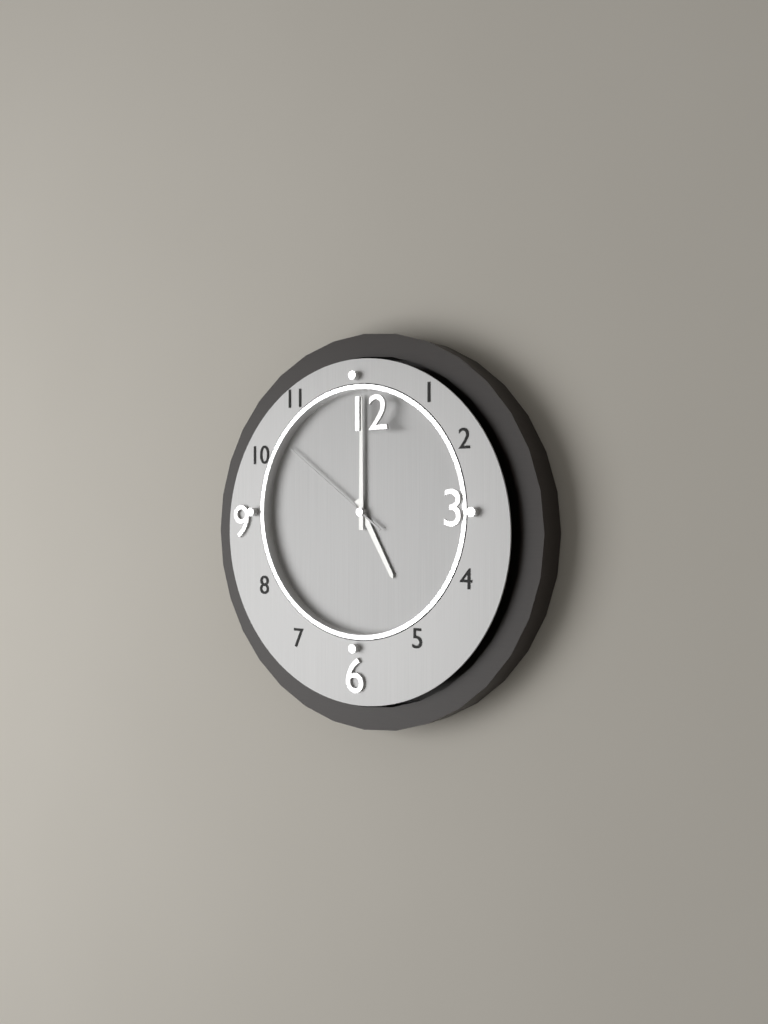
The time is h=5 m=0 s=51
